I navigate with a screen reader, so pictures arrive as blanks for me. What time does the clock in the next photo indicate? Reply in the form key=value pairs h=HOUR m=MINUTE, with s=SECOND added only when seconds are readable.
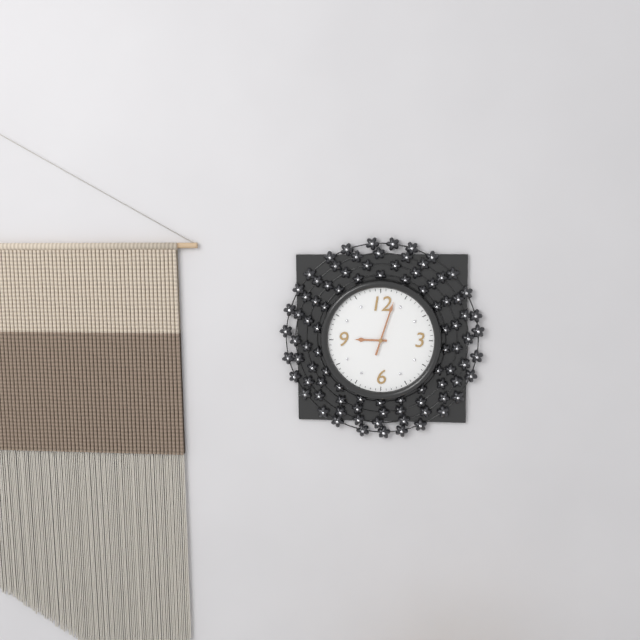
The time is h=9 m=3
